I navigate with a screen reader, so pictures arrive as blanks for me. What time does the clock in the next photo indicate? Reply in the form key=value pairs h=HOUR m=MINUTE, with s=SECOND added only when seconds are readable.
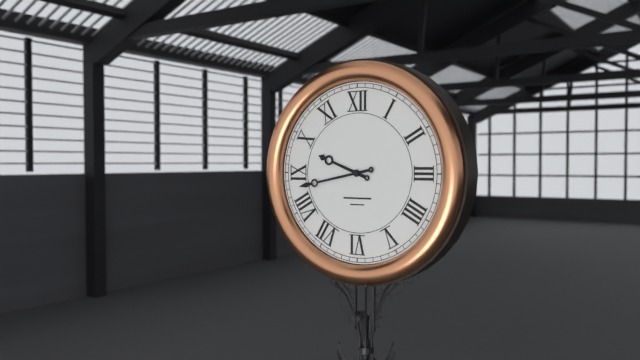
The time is h=9 m=43
